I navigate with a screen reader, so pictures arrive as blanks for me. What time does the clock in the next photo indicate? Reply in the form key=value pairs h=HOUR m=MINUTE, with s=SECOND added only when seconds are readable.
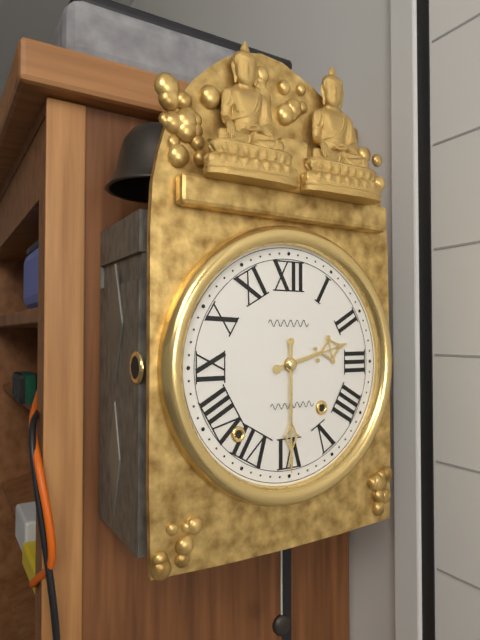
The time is h=2 m=30
